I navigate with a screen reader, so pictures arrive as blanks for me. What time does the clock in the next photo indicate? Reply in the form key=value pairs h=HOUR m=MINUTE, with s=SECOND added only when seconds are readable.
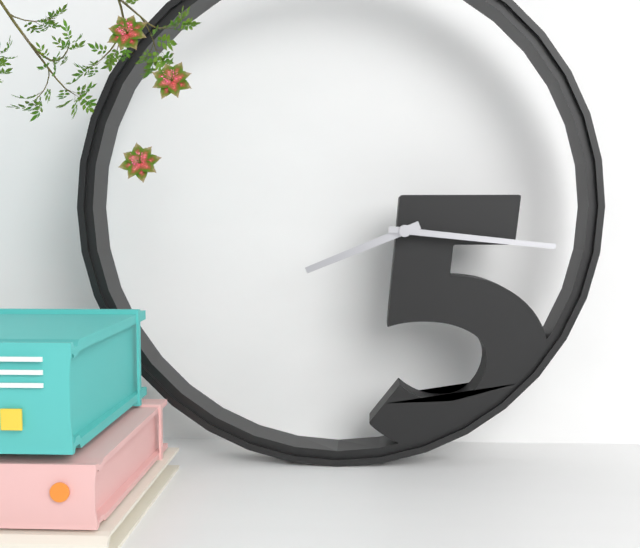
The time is h=8 m=16
